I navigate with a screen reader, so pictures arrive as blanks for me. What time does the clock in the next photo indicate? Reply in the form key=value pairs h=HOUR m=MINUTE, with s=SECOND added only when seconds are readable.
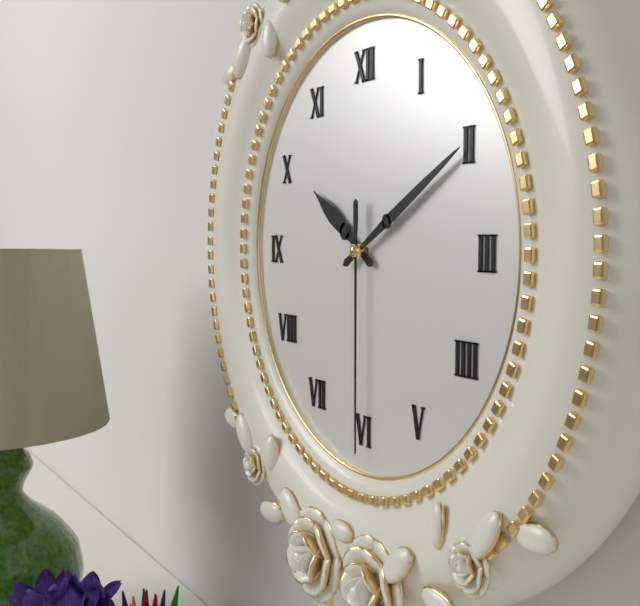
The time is h=10 m=10 s=30
